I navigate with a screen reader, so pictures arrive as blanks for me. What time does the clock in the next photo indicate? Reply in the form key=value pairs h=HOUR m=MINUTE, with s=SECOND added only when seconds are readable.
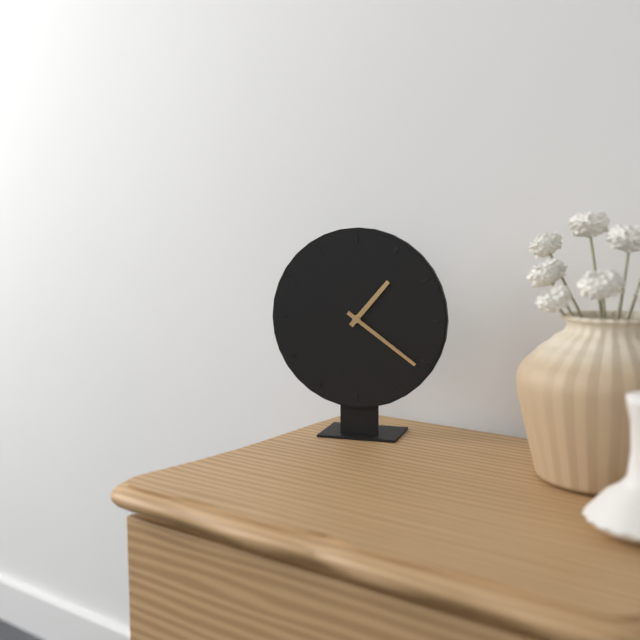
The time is h=1 m=21
